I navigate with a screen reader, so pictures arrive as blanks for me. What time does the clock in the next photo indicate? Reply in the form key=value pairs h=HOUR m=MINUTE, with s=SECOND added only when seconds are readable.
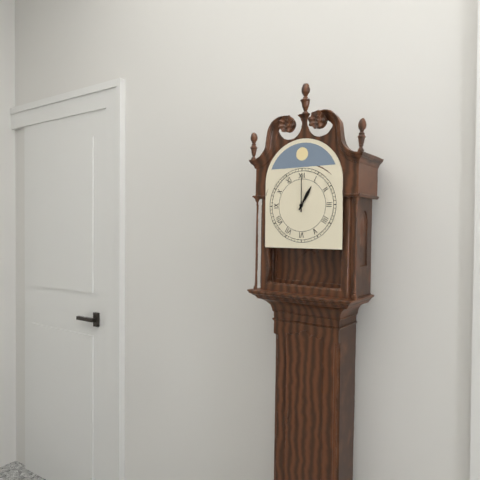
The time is h=1 m=0
